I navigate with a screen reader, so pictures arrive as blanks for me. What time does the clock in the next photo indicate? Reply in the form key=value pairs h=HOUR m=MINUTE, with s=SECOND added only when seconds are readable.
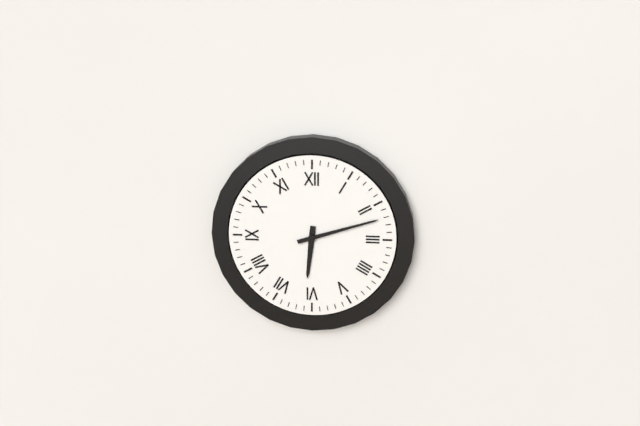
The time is h=6 m=12
